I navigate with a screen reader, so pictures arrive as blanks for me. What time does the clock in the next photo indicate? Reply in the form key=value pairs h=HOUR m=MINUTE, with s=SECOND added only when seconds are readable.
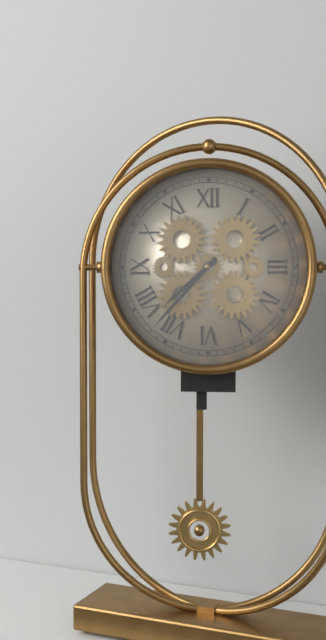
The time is h=7 m=37
